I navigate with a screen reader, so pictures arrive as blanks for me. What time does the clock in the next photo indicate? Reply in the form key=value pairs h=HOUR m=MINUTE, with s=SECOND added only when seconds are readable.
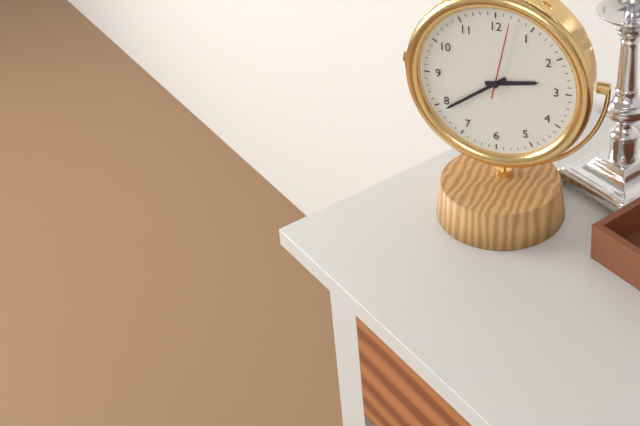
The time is h=2 m=39 s=2
